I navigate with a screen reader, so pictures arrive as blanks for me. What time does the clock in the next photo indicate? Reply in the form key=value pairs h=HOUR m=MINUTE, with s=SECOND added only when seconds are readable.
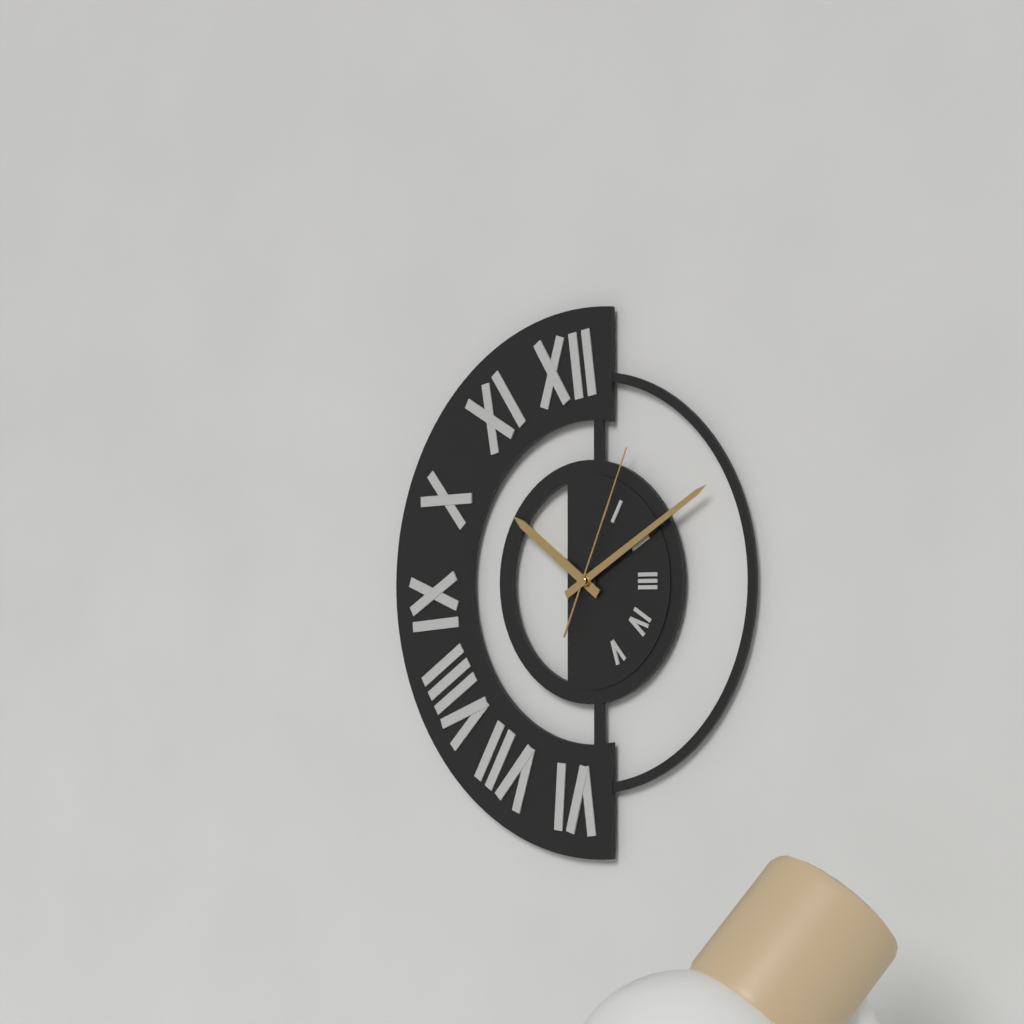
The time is h=10 m=10 s=4
